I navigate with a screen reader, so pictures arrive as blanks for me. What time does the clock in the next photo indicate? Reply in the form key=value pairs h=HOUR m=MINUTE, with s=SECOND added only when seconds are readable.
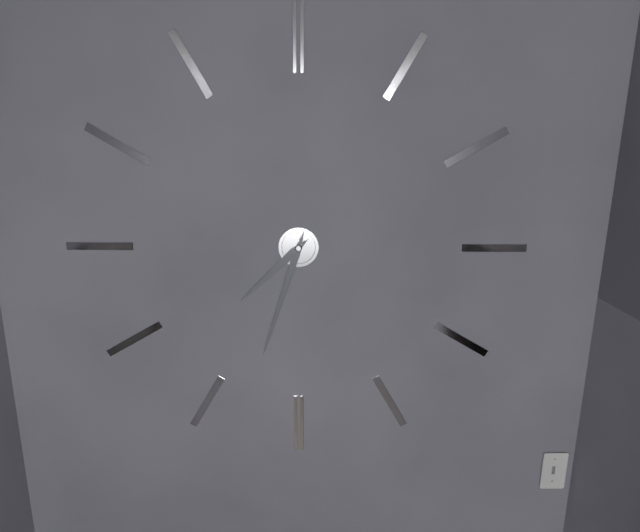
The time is h=7 m=33
